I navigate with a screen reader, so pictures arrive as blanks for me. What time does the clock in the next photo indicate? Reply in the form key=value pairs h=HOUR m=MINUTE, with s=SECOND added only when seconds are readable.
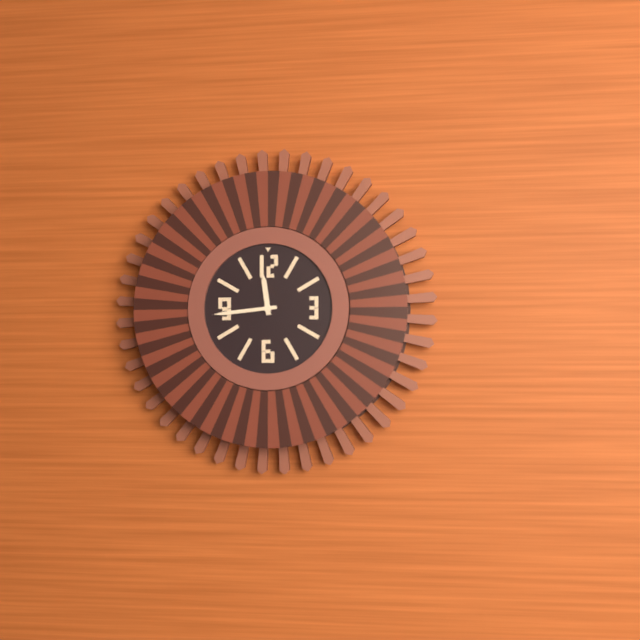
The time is h=11 m=44
